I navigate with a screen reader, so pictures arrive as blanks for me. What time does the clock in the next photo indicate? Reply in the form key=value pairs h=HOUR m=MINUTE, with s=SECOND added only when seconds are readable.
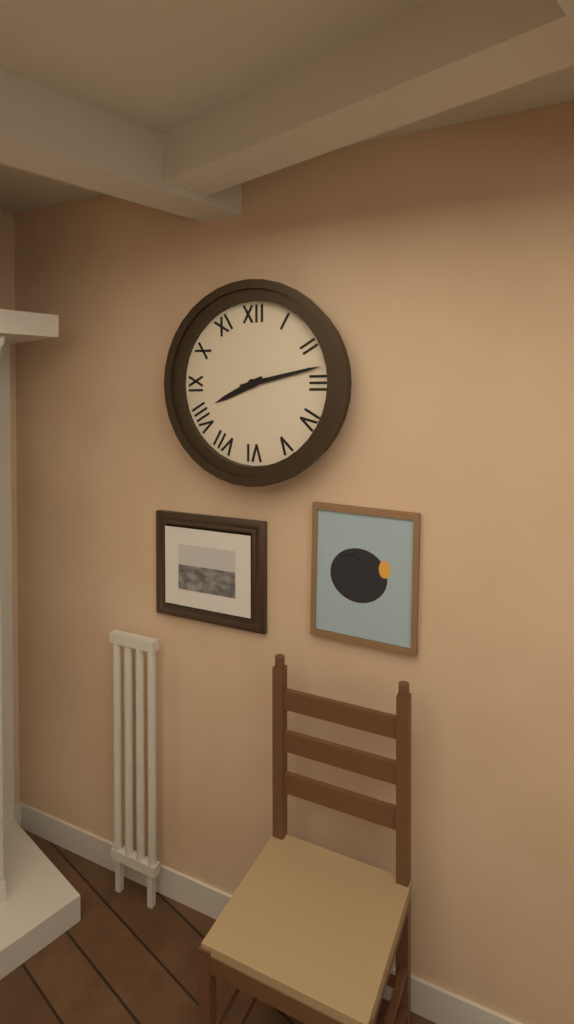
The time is h=8 m=13
